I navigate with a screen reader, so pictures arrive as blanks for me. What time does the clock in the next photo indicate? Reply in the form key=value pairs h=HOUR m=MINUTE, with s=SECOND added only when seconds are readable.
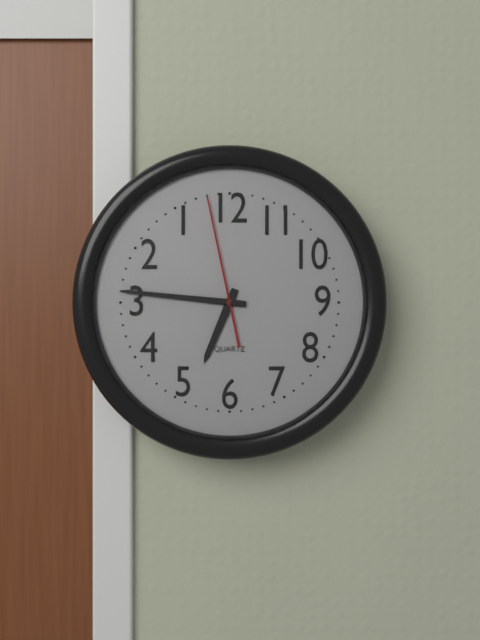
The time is h=6 m=46 s=58
